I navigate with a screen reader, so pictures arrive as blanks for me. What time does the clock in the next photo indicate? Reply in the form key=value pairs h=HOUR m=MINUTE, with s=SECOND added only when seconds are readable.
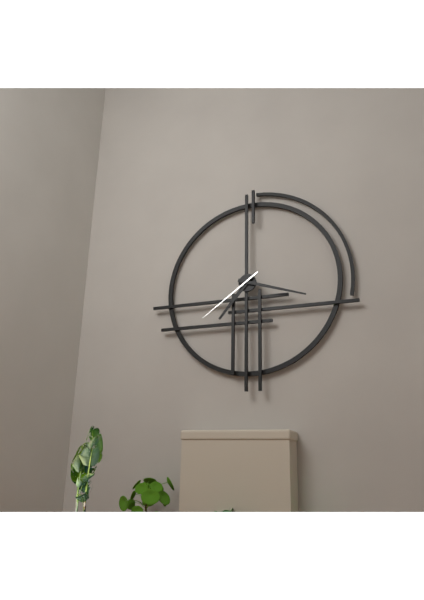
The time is h=7 m=18 s=39
